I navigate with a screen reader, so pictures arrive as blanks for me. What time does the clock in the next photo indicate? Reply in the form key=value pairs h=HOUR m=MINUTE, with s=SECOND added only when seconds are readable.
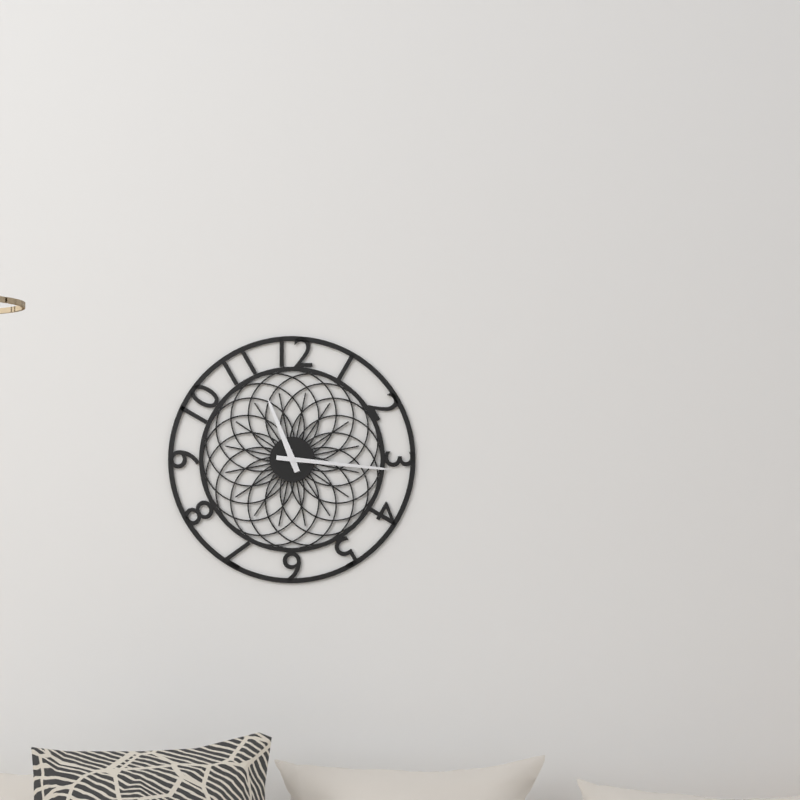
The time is h=11 m=16
